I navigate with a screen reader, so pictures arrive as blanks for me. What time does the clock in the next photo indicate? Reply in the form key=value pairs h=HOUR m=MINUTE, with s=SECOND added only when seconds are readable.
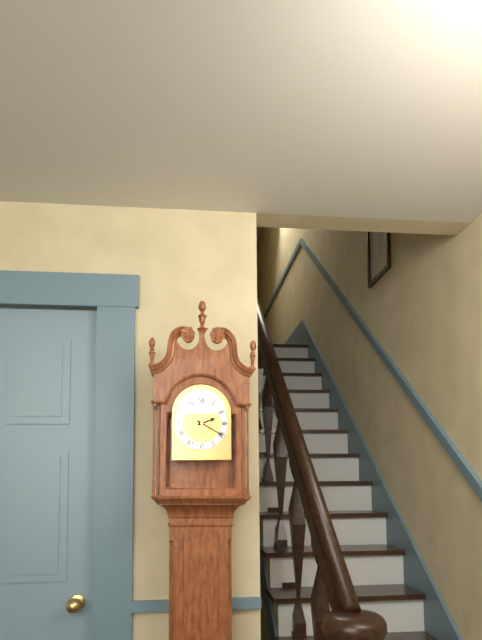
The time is h=2 m=20
